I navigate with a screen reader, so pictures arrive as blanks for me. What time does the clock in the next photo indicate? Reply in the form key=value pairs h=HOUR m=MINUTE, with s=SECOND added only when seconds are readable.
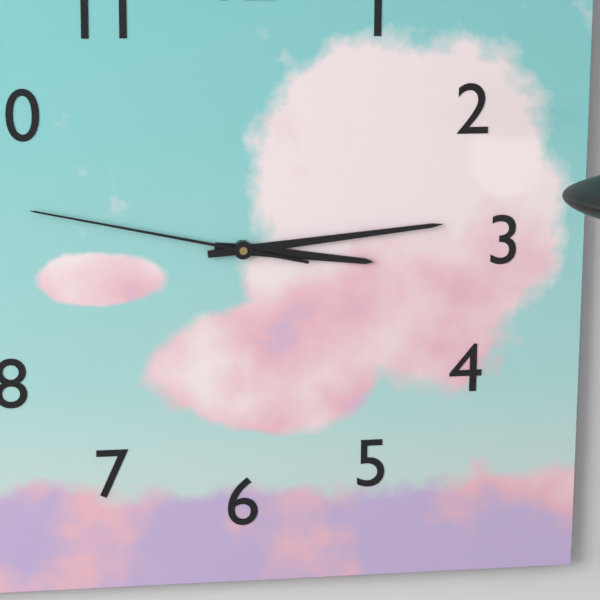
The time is h=3 m=14 s=47
